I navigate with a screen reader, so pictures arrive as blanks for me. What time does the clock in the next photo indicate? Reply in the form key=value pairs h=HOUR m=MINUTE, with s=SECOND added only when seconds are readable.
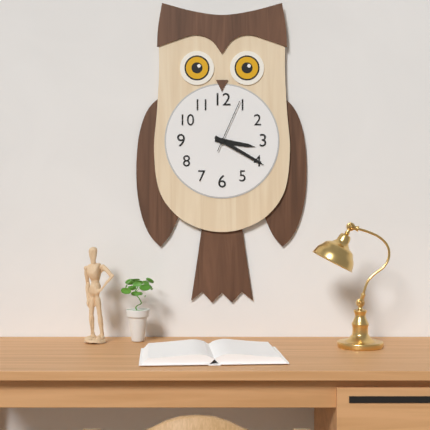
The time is h=3 m=20 s=4
